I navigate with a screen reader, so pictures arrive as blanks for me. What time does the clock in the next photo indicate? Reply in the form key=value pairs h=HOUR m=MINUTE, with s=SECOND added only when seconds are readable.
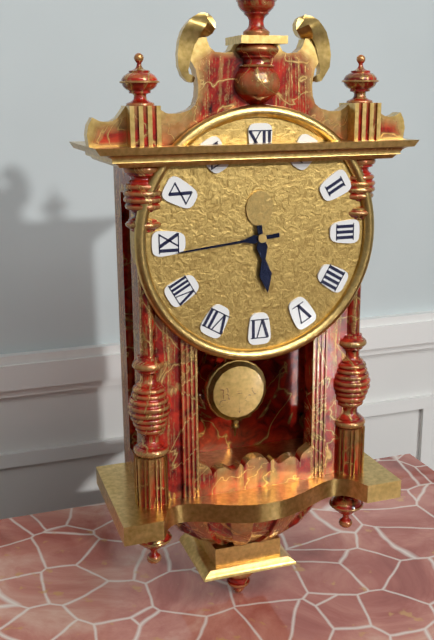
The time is h=5 m=44
